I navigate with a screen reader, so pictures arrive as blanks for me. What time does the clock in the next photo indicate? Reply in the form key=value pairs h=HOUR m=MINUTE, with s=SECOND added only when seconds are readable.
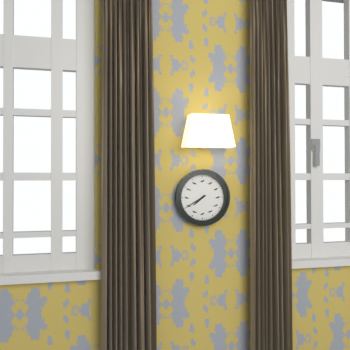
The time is h=7 m=40
